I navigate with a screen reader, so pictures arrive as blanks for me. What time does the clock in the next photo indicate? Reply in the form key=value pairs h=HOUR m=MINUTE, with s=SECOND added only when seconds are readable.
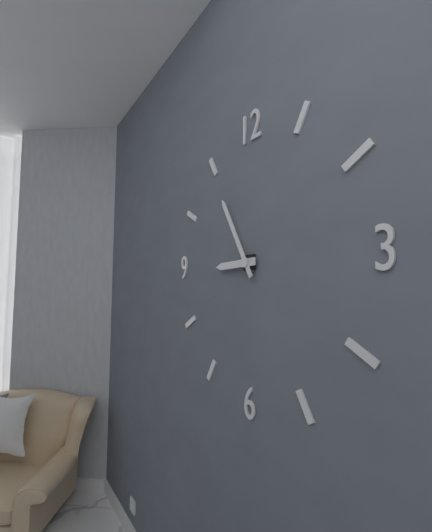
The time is h=8 m=55
